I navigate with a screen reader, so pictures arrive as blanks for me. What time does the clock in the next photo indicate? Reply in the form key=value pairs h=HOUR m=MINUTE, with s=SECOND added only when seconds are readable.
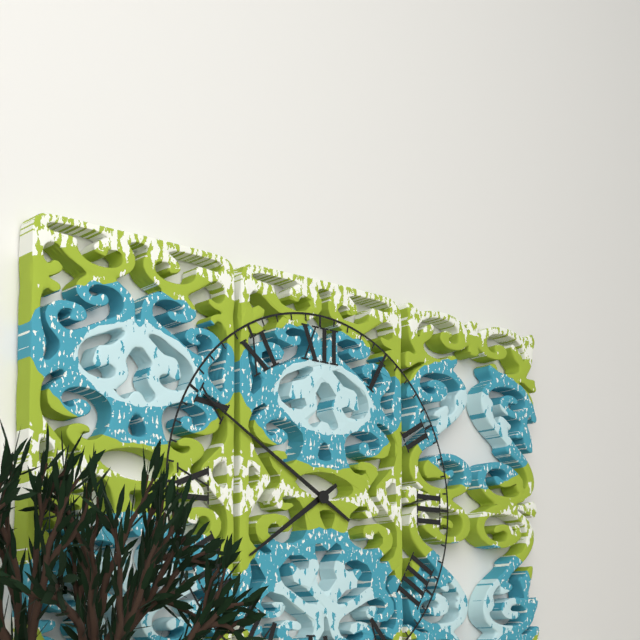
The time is h=7 m=50
